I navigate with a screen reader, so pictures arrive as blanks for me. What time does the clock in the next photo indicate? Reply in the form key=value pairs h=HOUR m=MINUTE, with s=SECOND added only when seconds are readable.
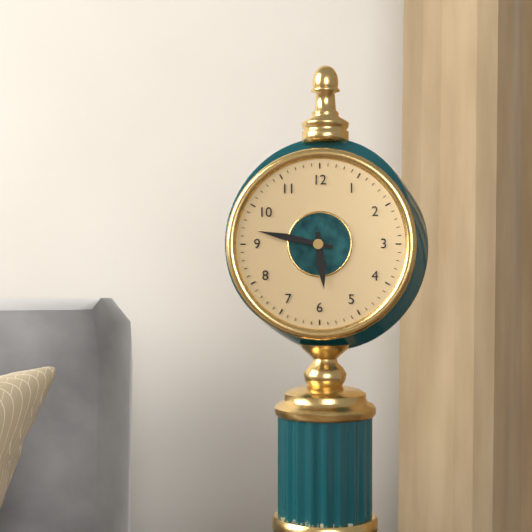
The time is h=5 m=47
